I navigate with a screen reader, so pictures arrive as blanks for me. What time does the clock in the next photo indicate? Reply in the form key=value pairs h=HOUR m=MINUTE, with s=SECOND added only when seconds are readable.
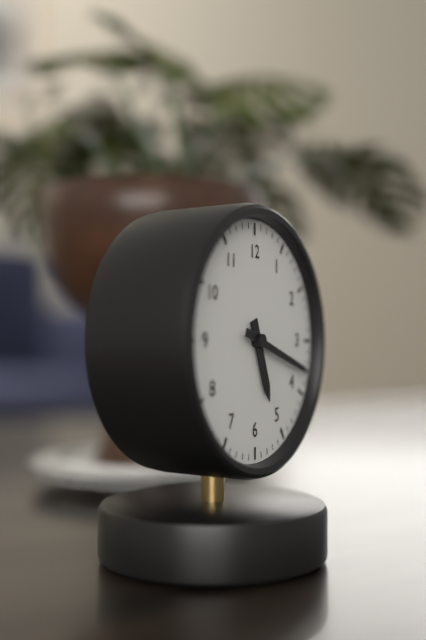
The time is h=5 m=18
